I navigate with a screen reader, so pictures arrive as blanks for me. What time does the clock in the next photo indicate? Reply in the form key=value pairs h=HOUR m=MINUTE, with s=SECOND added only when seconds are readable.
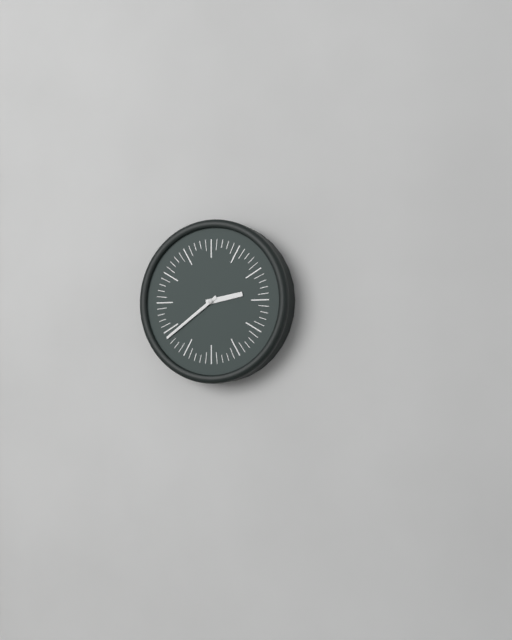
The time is h=2 m=39
